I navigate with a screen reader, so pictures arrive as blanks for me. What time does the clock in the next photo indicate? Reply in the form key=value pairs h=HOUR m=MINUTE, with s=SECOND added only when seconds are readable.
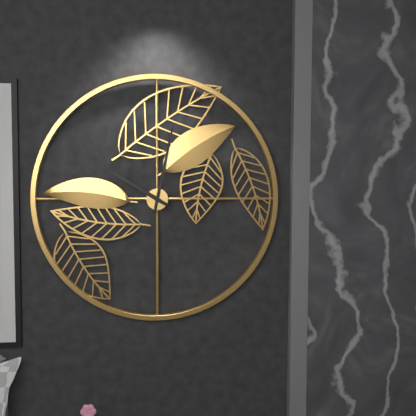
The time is h=10 m=2
